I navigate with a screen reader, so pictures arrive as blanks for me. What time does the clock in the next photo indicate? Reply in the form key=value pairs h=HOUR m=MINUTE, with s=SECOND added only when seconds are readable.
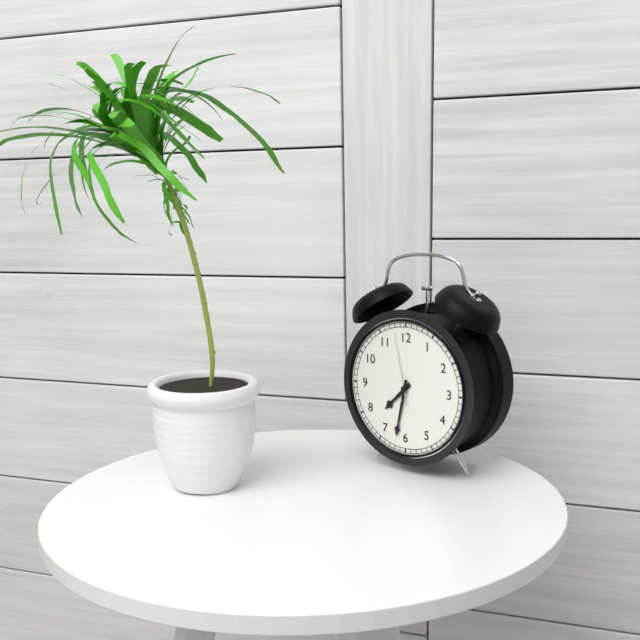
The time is h=7 m=32 s=58
